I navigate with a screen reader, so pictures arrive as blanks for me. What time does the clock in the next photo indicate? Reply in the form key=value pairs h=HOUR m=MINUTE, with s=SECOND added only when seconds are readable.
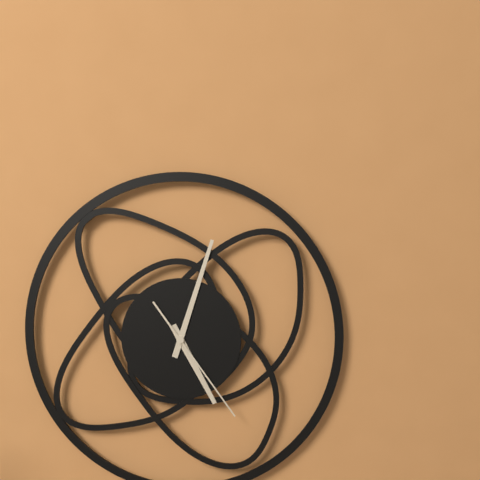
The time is h=5 m=3 s=24
